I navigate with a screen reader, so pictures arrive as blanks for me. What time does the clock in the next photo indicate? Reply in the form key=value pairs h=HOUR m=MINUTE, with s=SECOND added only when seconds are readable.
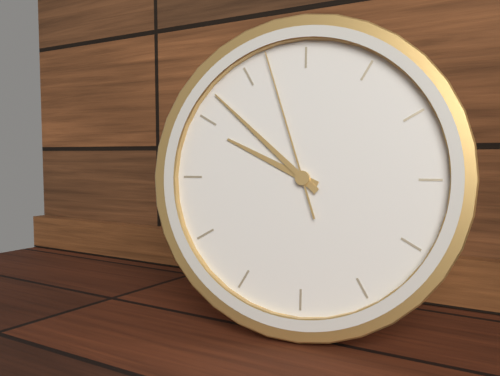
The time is h=9 m=52 s=57
